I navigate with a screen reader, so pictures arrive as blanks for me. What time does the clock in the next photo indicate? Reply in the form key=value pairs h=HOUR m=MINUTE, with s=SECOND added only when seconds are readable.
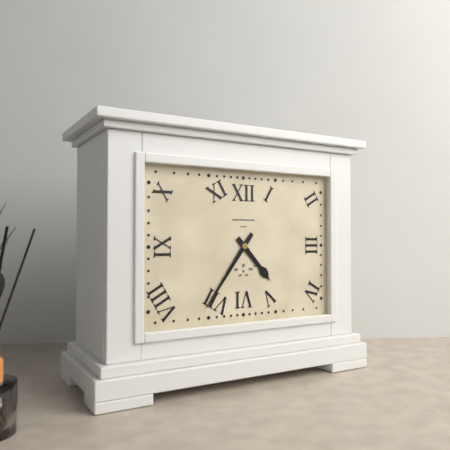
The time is h=4 m=36
